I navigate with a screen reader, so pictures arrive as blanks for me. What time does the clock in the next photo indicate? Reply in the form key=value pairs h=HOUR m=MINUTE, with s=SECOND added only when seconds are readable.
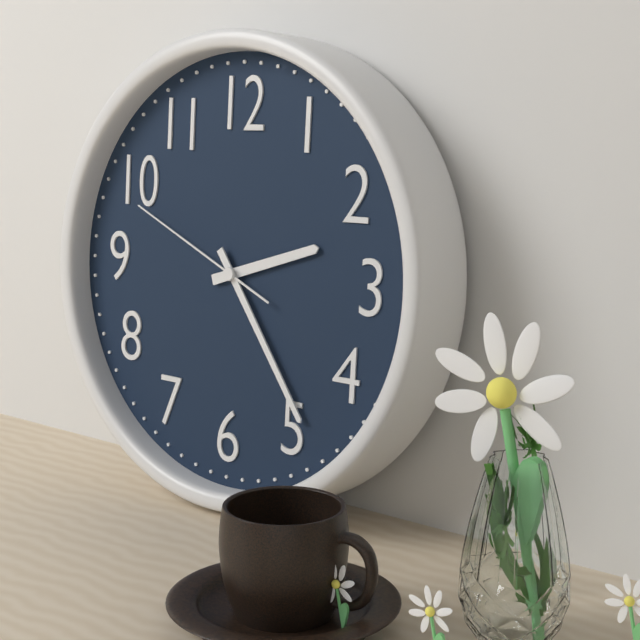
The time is h=2 m=24 s=49
